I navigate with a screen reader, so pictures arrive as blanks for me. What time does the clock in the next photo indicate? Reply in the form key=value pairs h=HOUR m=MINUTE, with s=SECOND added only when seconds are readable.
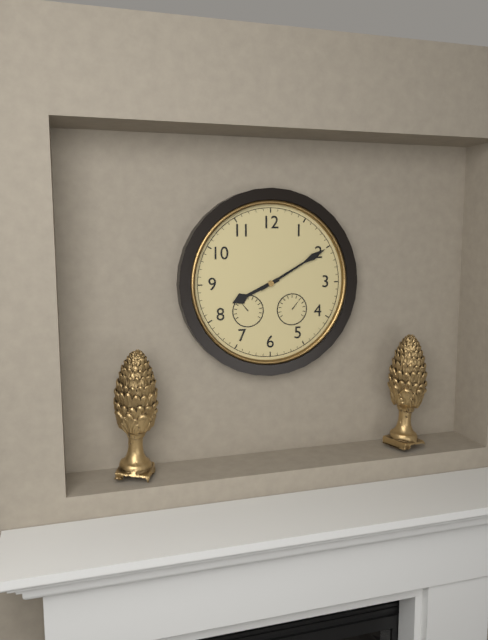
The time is h=8 m=10
